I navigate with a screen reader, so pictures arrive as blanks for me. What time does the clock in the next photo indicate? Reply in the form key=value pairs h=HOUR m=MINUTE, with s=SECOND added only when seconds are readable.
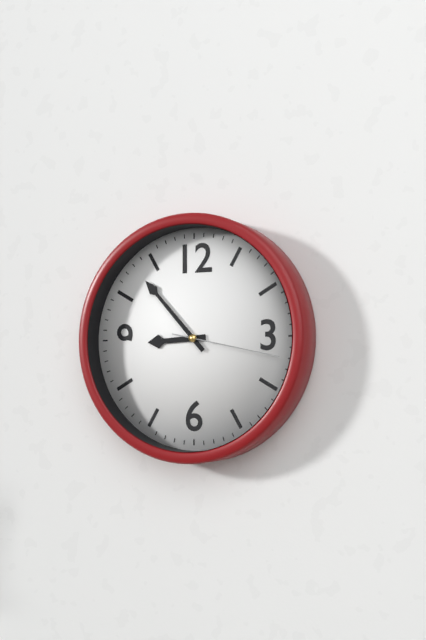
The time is h=8 m=53 s=17
